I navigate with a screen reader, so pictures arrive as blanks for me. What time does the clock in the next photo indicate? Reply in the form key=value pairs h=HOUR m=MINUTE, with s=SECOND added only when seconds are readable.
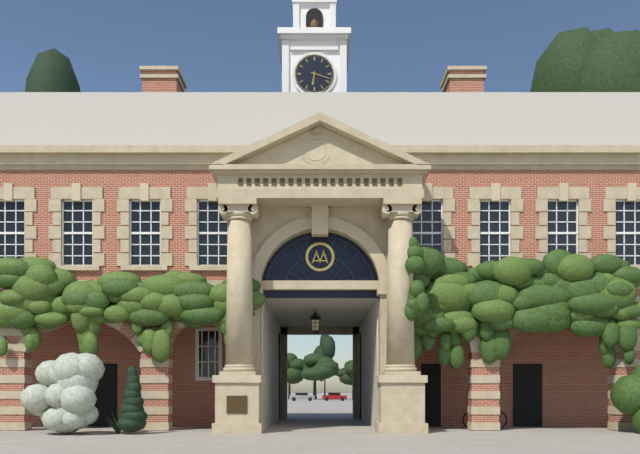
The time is h=6 m=18
